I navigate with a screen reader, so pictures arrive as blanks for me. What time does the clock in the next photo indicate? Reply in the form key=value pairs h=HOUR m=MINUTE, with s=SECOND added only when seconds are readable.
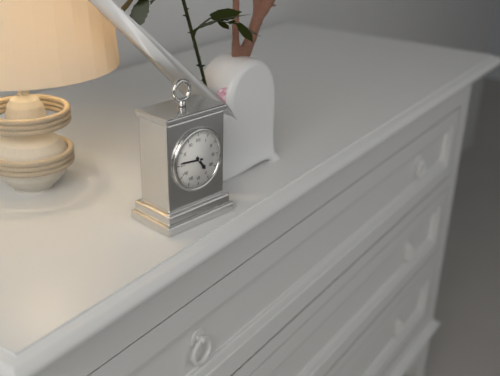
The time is h=4 m=46
